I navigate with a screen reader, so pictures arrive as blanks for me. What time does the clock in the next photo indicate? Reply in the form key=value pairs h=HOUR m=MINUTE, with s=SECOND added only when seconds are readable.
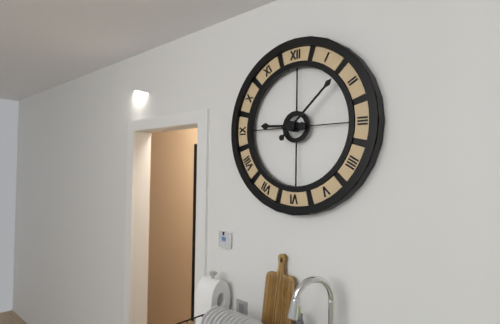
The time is h=9 m=8
